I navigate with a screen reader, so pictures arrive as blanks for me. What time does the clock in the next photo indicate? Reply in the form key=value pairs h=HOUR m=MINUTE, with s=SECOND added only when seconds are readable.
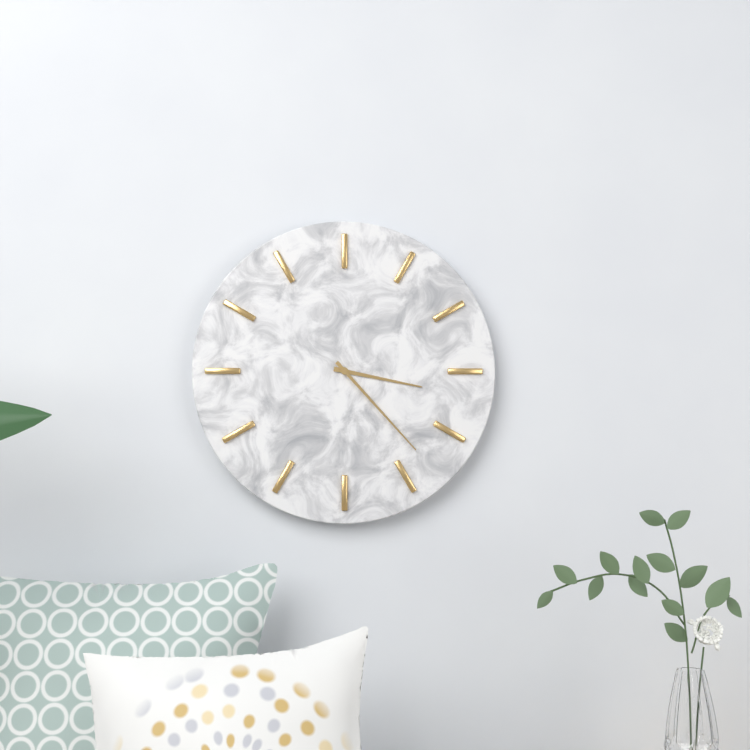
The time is h=3 m=23
